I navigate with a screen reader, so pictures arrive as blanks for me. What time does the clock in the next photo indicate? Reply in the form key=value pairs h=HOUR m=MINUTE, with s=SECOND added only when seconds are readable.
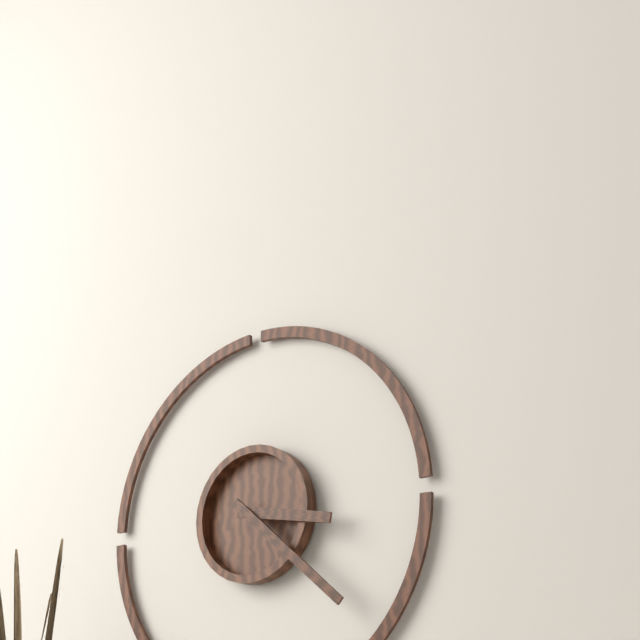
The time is h=3 m=22
